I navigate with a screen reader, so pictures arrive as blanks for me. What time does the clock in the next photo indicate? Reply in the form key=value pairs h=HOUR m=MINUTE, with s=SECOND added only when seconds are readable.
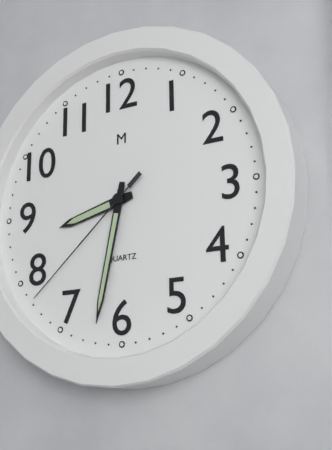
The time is h=8 m=32 s=38
